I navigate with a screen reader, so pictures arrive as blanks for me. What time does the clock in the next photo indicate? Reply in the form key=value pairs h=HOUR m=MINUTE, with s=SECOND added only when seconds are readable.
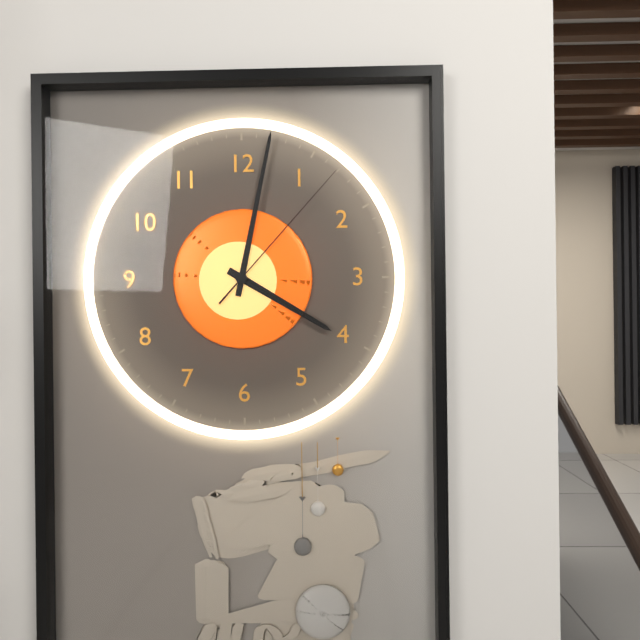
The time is h=4 m=2 s=7
